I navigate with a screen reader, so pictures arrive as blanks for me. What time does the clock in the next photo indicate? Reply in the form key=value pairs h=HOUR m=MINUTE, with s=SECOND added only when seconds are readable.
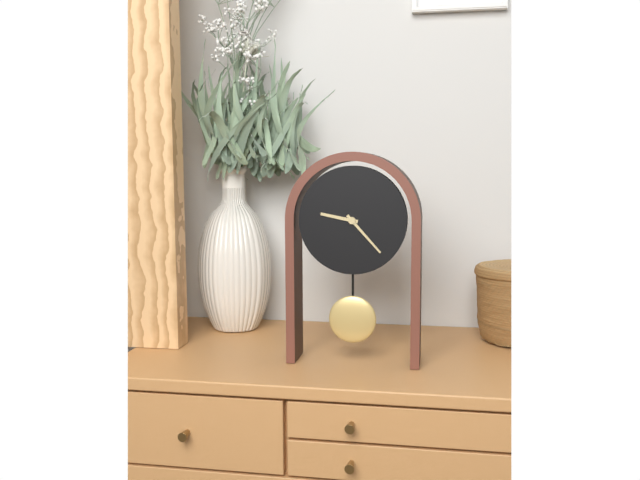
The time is h=9 m=23
